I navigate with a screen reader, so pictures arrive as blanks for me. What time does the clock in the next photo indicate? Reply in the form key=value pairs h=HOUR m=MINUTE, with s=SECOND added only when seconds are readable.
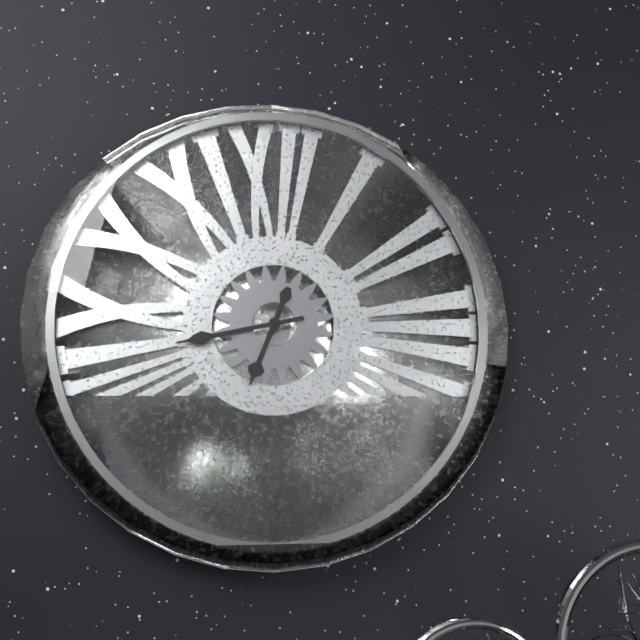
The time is h=6 m=43
